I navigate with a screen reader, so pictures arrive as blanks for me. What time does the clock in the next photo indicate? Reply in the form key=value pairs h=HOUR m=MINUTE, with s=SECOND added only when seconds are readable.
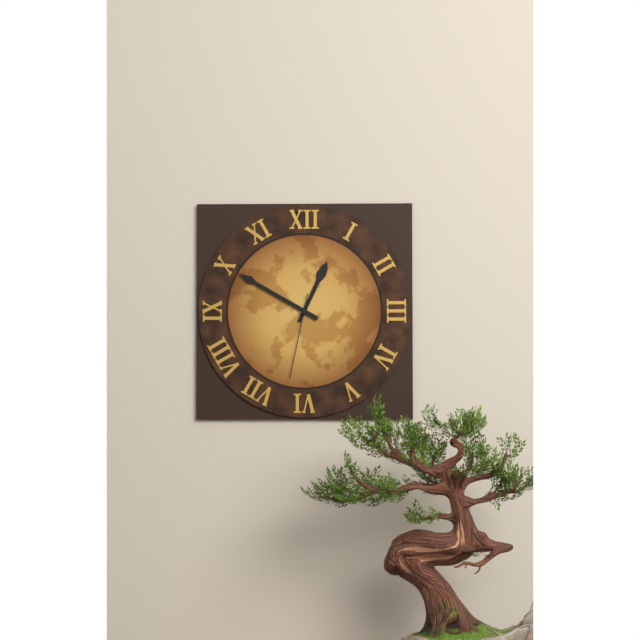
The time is h=12 m=50 s=32
